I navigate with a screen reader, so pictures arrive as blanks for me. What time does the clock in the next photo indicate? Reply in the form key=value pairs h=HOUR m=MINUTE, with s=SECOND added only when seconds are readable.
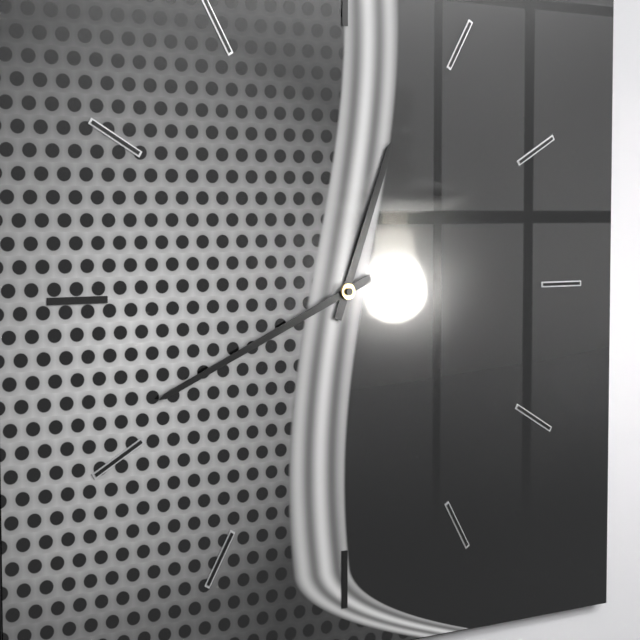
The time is h=12 m=41
